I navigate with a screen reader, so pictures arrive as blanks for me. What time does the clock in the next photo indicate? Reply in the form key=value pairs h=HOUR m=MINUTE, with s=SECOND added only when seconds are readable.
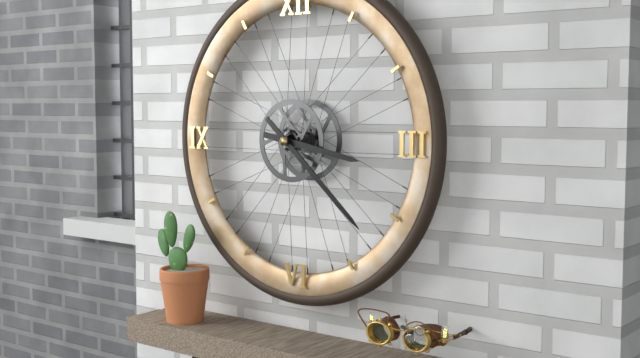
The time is h=3 m=22
